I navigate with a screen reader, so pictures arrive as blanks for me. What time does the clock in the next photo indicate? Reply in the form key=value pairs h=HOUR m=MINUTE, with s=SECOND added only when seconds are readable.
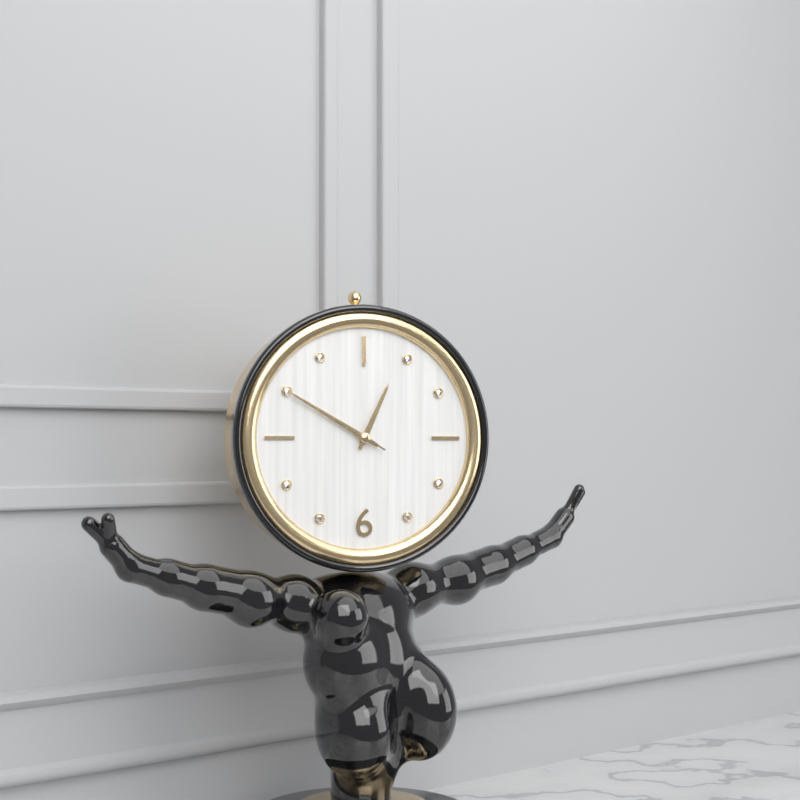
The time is h=12 m=50 s=50
